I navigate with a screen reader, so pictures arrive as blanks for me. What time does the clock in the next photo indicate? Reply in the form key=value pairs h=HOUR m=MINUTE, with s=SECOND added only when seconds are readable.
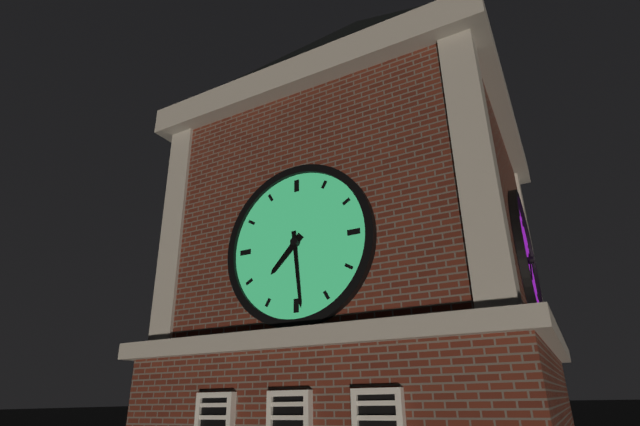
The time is h=7 m=29
